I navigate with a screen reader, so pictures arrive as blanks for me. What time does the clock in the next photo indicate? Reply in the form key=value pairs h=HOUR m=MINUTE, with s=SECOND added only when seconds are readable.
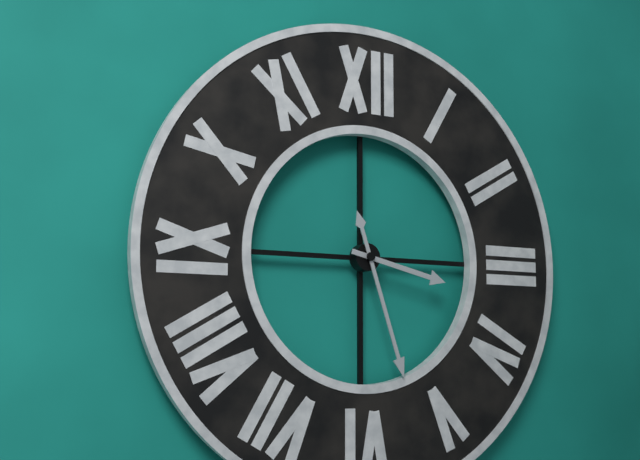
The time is h=3 m=27
